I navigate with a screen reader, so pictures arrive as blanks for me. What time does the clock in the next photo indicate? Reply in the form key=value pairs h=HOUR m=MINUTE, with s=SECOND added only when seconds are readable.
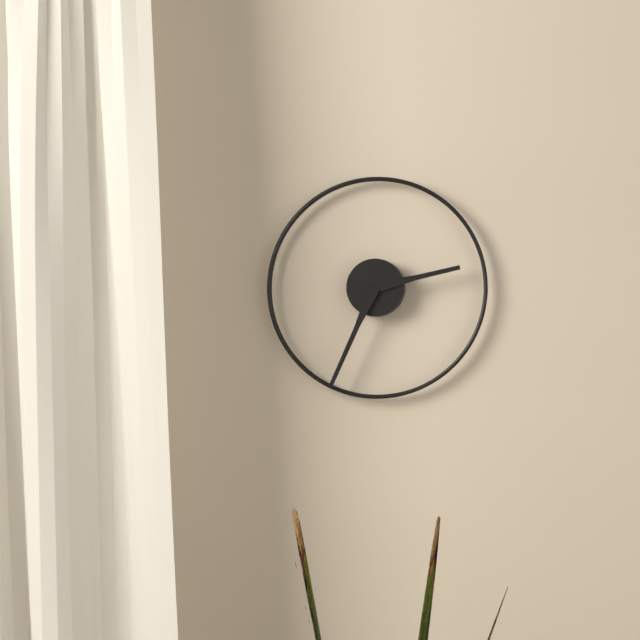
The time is h=2 m=34
